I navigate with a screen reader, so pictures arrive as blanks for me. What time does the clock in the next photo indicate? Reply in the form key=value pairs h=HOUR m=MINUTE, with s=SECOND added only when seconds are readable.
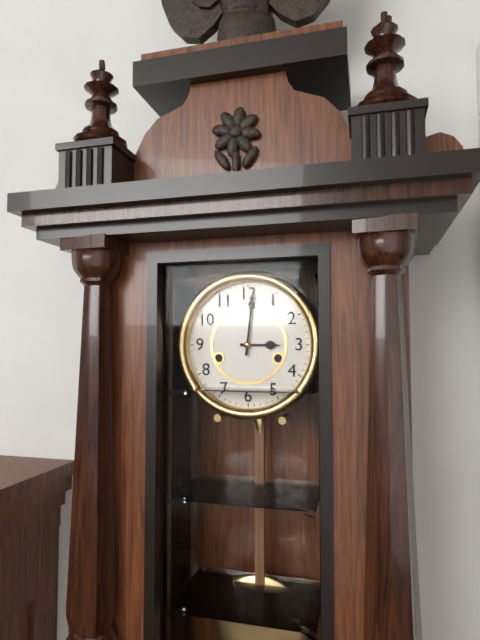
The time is h=3 m=1
